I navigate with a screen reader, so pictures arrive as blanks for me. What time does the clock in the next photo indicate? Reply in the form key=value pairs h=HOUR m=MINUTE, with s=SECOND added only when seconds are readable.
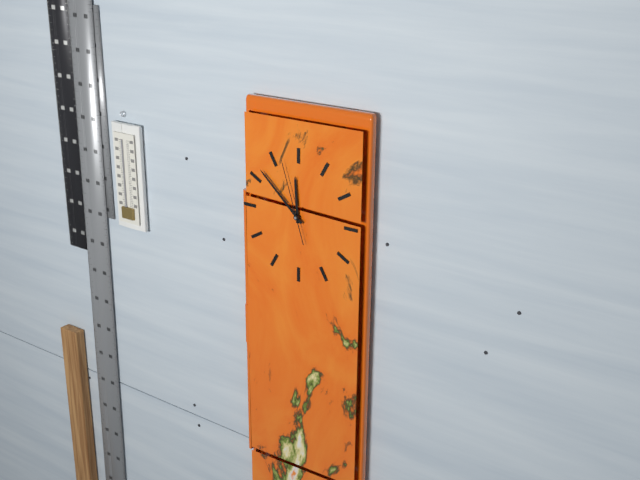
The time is h=11 m=52 s=57
